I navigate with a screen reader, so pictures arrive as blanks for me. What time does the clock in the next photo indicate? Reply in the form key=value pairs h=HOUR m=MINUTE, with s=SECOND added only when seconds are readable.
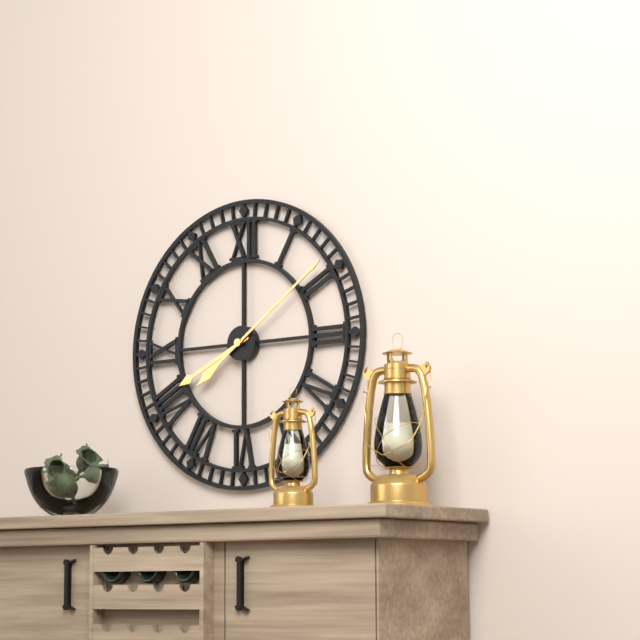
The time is h=8 m=9
